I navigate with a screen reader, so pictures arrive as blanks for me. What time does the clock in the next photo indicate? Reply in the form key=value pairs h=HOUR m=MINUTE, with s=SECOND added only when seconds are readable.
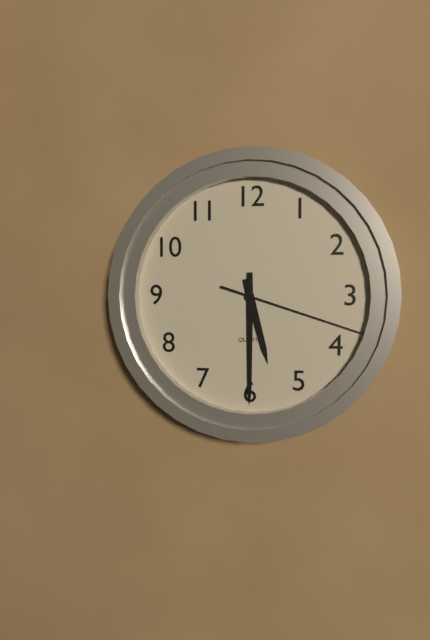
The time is h=5 m=30 s=18
